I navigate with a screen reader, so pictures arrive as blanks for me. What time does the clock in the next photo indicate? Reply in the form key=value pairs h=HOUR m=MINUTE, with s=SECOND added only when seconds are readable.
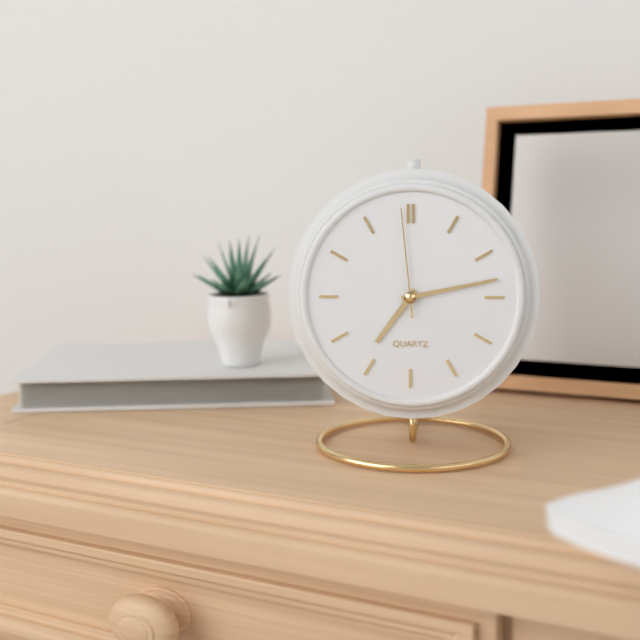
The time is h=7 m=13 s=59
